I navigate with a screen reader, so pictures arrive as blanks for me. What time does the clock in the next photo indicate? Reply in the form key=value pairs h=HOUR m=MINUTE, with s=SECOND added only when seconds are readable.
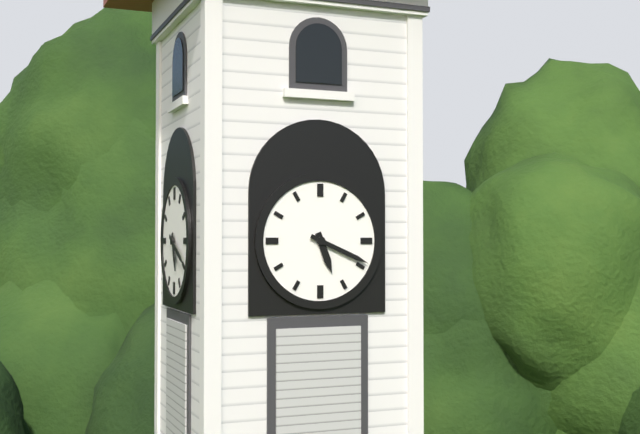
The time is h=5 m=19
